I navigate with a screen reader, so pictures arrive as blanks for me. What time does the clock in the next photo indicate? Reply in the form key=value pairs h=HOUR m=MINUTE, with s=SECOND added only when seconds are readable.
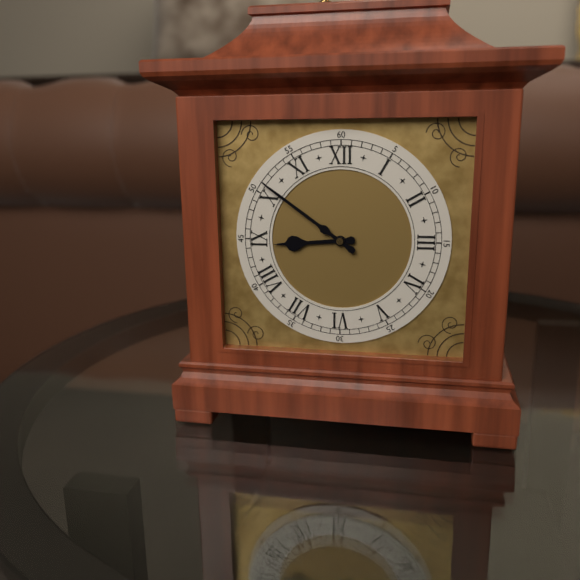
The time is h=8 m=51
